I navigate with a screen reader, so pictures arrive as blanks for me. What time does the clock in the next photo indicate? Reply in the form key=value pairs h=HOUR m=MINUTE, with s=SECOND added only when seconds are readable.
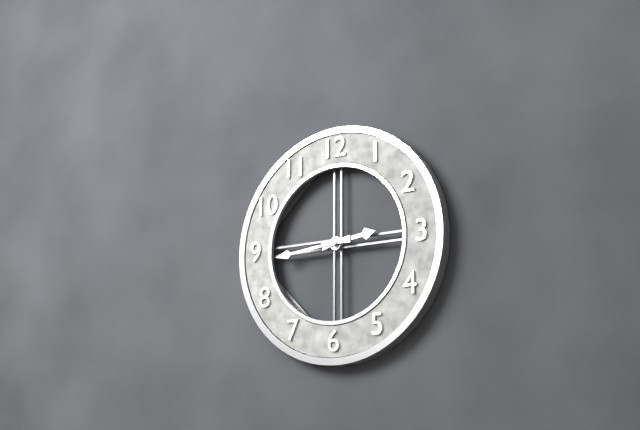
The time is h=2 m=44
